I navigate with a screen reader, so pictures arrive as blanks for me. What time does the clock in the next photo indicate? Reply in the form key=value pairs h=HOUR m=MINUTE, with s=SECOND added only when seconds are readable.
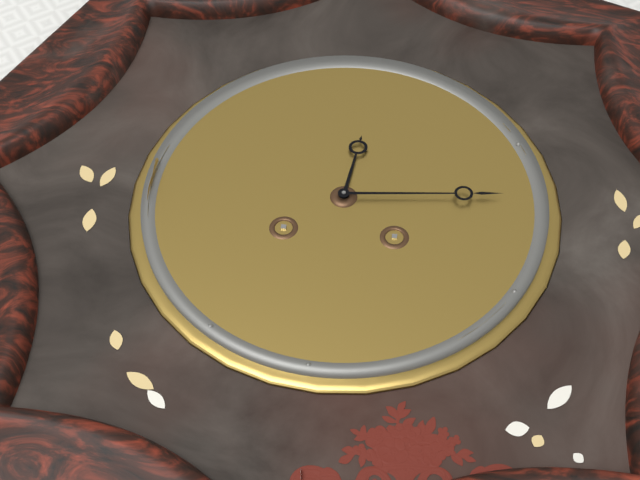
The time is h=12 m=14
